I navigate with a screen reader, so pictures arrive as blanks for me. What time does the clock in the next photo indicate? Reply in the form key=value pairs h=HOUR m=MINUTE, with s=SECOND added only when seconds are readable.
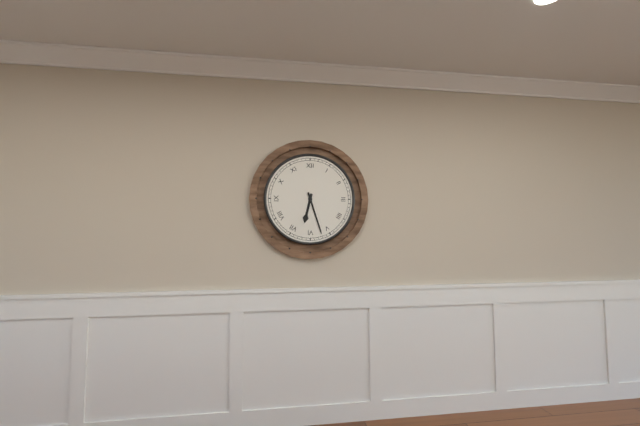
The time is h=6 m=27
